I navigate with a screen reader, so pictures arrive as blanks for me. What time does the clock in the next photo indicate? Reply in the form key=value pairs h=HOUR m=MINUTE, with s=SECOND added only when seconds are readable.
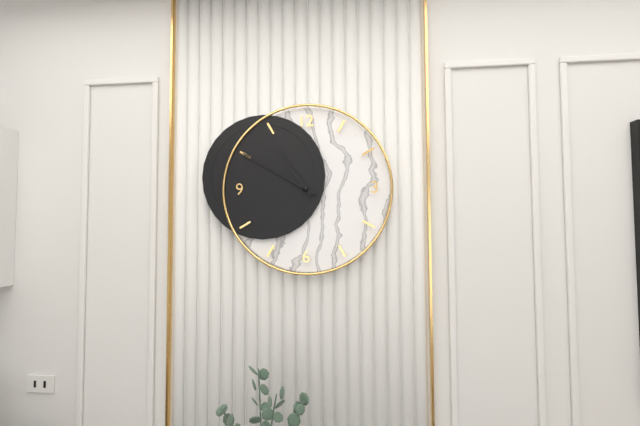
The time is h=10 m=50
